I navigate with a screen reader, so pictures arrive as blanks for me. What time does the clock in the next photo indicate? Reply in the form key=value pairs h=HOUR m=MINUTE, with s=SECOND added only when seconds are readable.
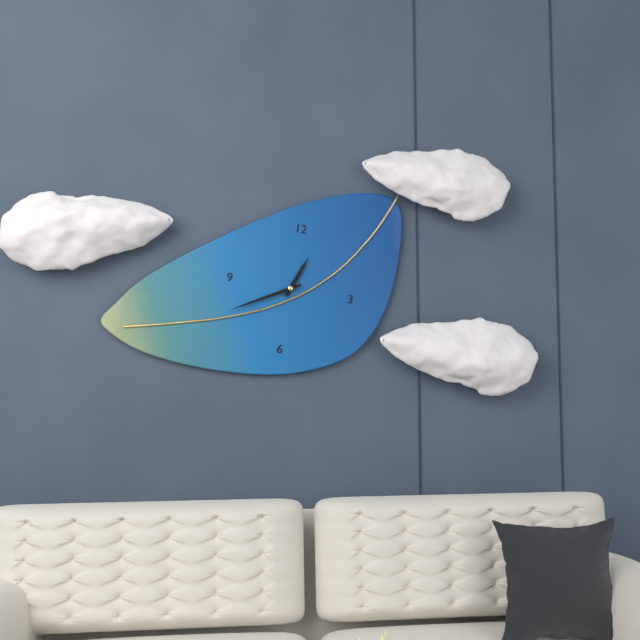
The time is h=12 m=40
